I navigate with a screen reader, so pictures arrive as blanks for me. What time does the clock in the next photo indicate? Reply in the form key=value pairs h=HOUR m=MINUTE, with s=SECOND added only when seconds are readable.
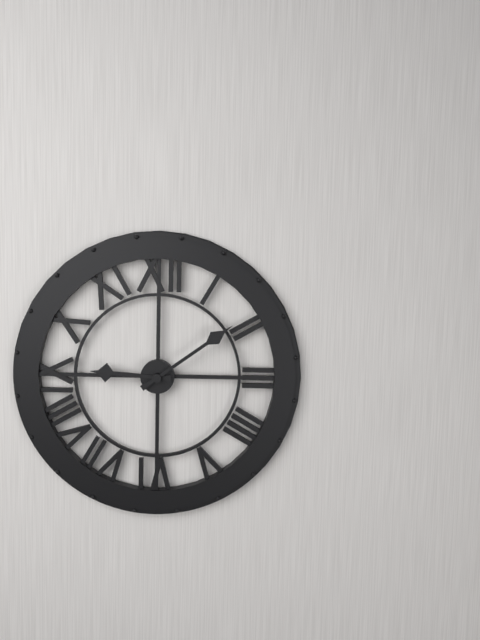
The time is h=9 m=9
